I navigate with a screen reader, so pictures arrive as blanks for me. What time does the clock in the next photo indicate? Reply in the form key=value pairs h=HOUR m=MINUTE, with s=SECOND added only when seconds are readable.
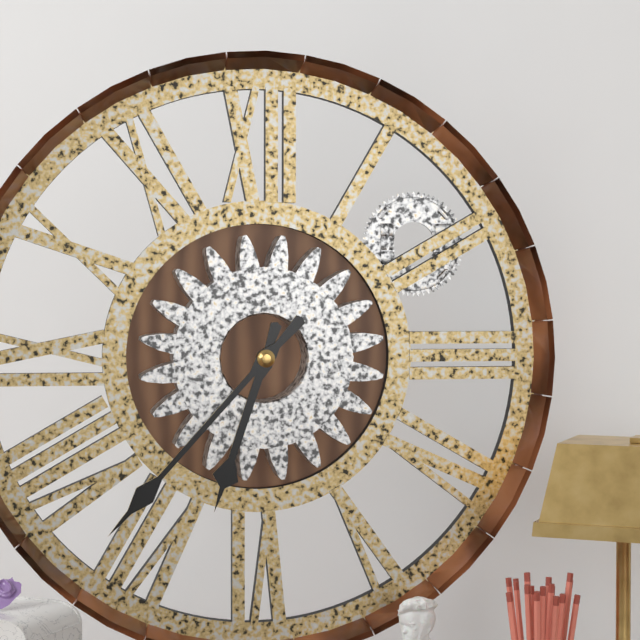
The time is h=6 m=37
